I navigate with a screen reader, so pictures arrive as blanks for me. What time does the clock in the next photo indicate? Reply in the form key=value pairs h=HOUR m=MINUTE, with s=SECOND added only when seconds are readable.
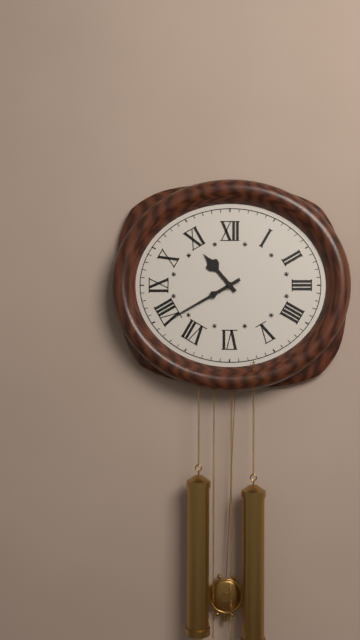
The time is h=10 m=40
